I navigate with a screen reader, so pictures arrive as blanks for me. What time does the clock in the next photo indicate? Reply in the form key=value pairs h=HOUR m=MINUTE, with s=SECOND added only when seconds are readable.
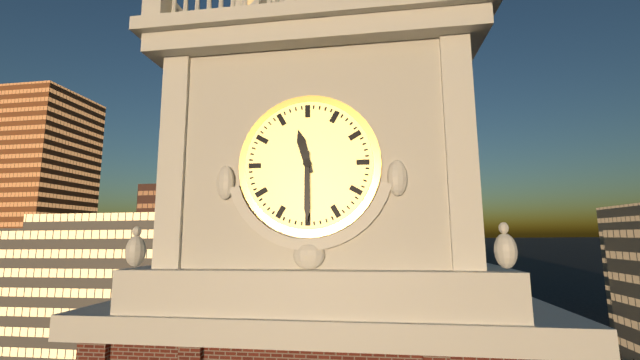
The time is h=11 m=30
